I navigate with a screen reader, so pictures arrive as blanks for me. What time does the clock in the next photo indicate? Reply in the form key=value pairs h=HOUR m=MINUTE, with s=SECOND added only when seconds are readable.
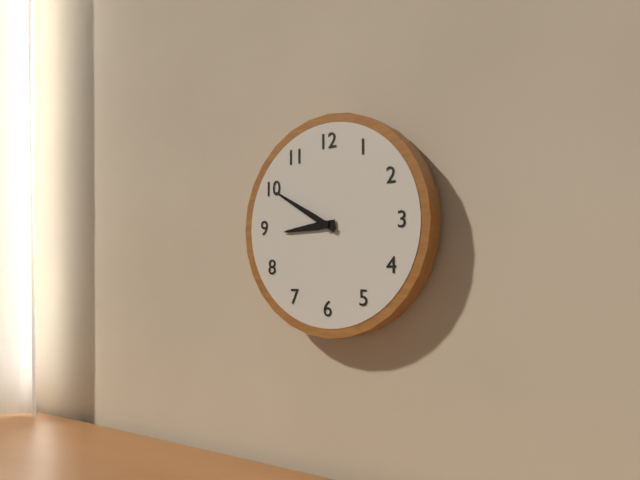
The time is h=8 m=50
